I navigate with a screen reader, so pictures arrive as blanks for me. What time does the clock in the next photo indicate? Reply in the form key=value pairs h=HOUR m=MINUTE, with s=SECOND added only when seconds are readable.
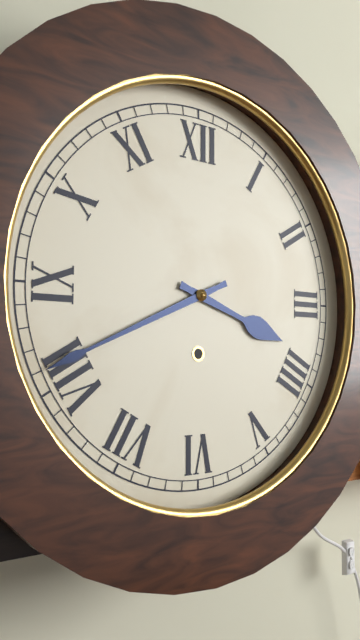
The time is h=3 m=41
